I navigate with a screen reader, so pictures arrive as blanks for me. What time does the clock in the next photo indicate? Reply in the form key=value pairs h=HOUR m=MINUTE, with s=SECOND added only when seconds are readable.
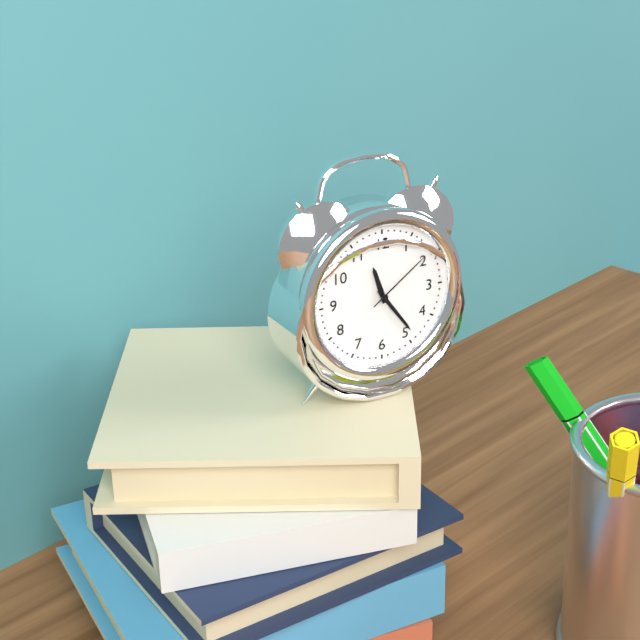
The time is h=11 m=24 s=9
